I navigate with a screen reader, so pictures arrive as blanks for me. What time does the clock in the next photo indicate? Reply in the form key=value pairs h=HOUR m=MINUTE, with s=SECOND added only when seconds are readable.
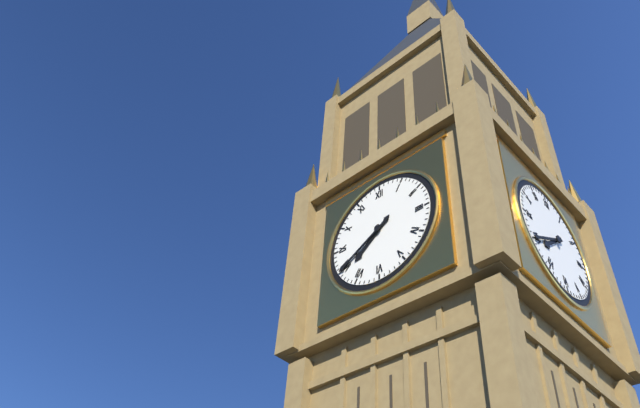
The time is h=7 m=40
